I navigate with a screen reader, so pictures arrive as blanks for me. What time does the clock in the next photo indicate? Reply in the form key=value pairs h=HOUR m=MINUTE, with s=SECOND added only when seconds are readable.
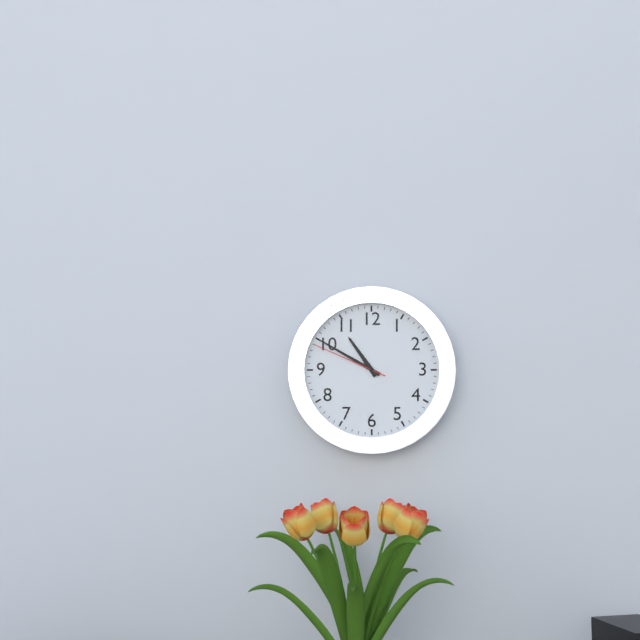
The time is h=10 m=50 s=49
